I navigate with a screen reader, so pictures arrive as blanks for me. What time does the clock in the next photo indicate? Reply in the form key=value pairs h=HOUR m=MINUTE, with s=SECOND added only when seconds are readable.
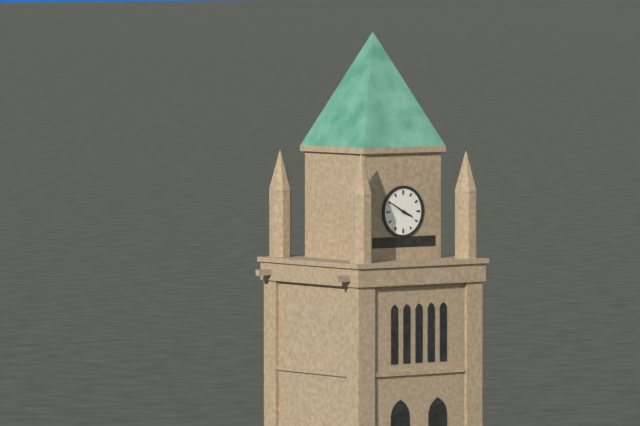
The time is h=3 m=50
